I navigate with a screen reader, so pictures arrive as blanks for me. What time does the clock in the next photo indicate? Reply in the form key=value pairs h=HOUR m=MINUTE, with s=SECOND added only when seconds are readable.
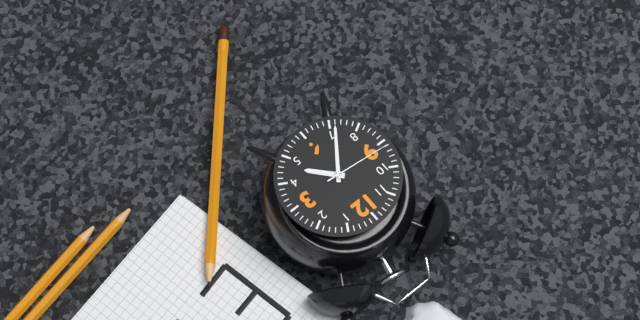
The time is h=4 m=36 s=46
